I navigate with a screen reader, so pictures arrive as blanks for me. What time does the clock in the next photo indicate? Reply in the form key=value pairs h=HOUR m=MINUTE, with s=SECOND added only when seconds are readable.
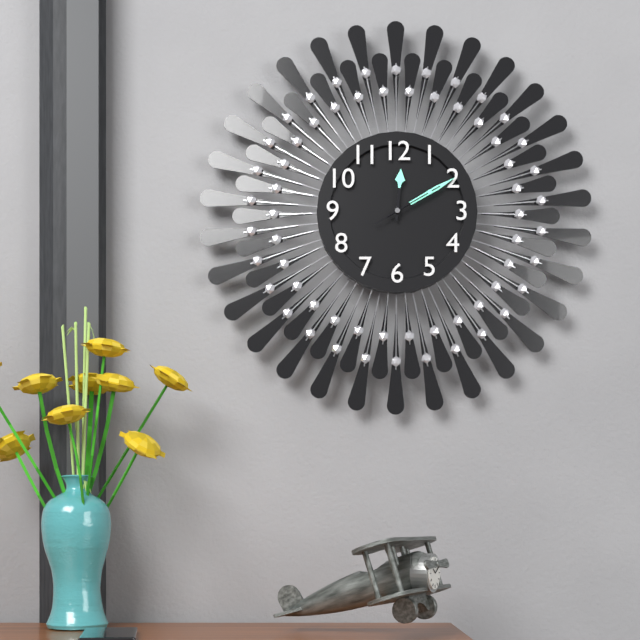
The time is h=12 m=10 s=10
